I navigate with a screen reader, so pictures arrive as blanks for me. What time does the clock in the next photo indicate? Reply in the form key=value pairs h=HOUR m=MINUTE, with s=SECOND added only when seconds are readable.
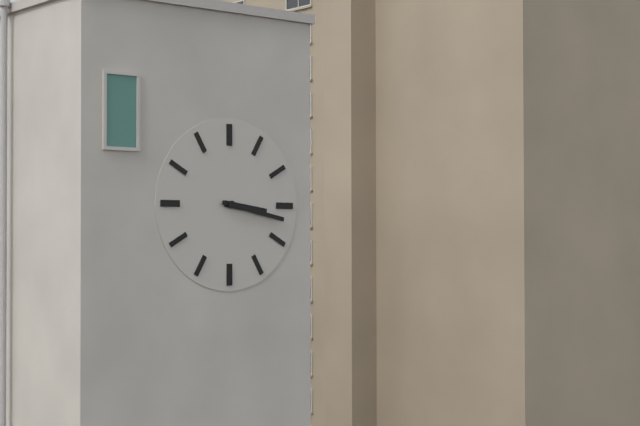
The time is h=3 m=17
